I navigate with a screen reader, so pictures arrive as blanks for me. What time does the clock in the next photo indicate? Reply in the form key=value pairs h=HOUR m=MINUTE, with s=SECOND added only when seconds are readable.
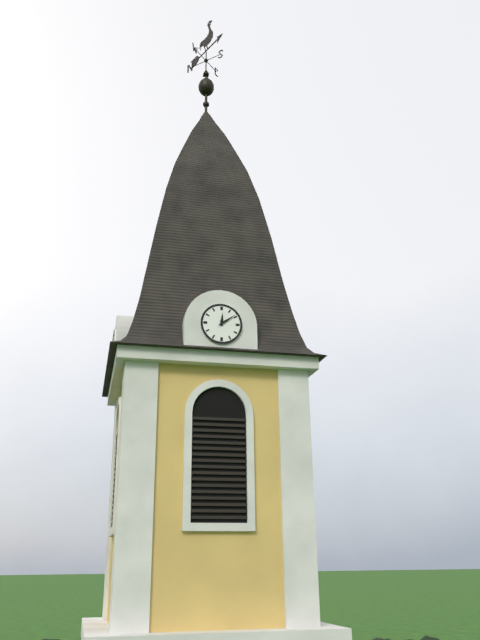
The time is h=12 m=9
